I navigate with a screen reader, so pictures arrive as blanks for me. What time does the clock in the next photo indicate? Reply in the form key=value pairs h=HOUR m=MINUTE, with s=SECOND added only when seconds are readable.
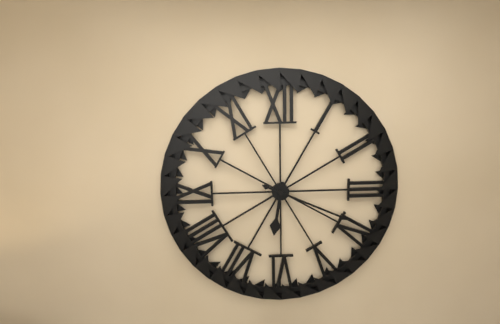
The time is h=6 m=19
